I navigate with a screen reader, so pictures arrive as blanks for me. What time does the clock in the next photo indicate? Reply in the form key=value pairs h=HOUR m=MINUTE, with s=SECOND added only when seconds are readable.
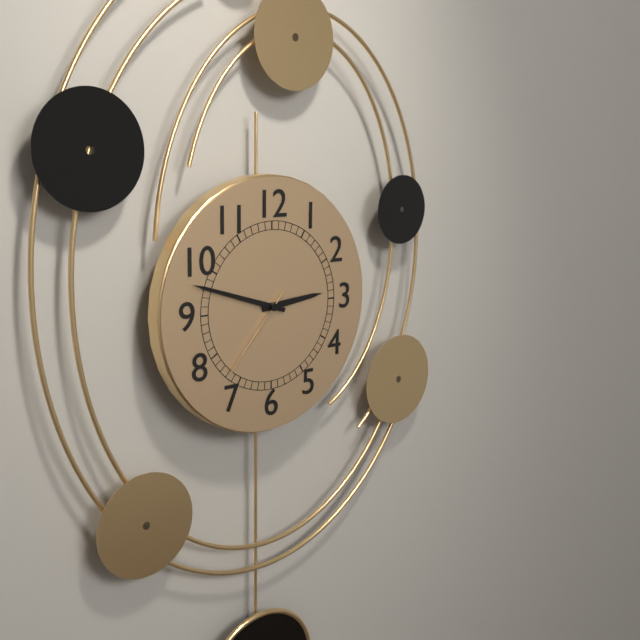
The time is h=2 m=48 s=37
